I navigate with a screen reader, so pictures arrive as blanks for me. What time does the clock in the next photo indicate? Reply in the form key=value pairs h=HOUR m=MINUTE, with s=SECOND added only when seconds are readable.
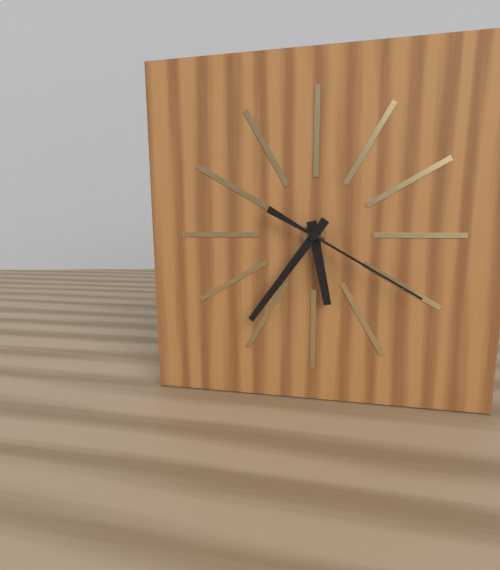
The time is h=5 m=36 s=20
